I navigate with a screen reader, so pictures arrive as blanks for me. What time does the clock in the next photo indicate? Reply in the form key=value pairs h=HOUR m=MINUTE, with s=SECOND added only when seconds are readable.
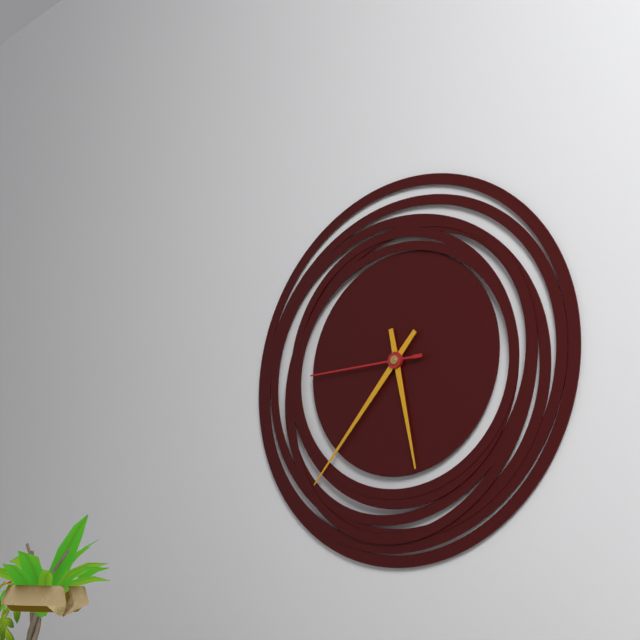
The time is h=5 m=37 s=45
